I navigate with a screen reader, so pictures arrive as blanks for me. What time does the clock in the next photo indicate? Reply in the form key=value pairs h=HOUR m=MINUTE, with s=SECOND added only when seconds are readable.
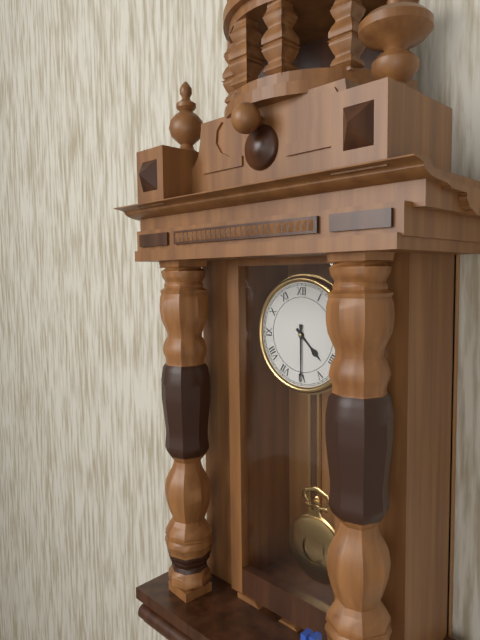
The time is h=4 m=30
